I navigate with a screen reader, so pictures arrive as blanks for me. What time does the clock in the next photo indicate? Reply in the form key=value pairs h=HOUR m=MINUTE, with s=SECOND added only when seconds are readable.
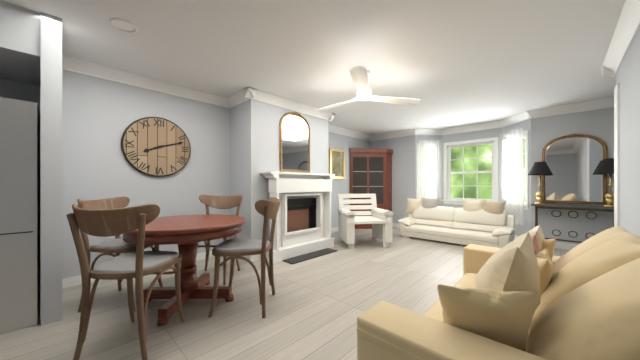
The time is h=8 m=12
